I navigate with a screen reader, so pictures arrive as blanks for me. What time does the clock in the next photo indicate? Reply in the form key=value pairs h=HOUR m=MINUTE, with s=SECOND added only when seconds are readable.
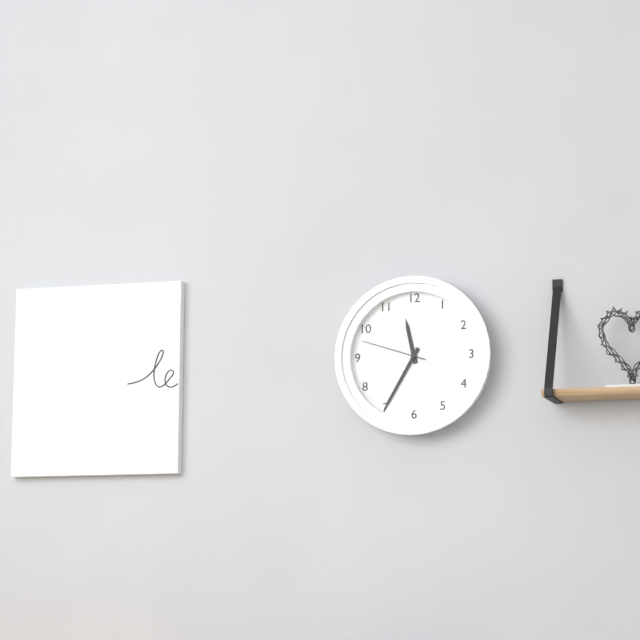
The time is h=11 m=35 s=48
